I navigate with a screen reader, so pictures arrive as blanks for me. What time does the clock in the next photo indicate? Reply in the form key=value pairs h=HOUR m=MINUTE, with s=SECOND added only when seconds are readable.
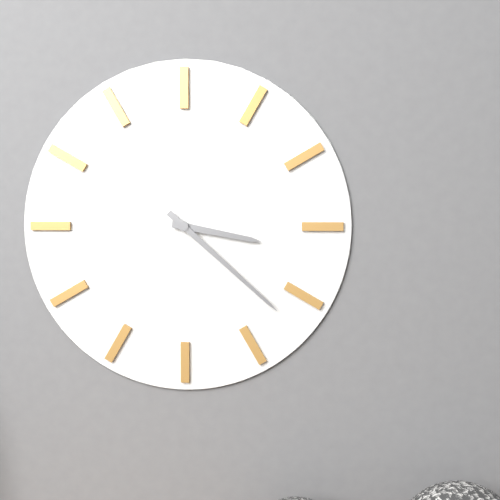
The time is h=3 m=22
